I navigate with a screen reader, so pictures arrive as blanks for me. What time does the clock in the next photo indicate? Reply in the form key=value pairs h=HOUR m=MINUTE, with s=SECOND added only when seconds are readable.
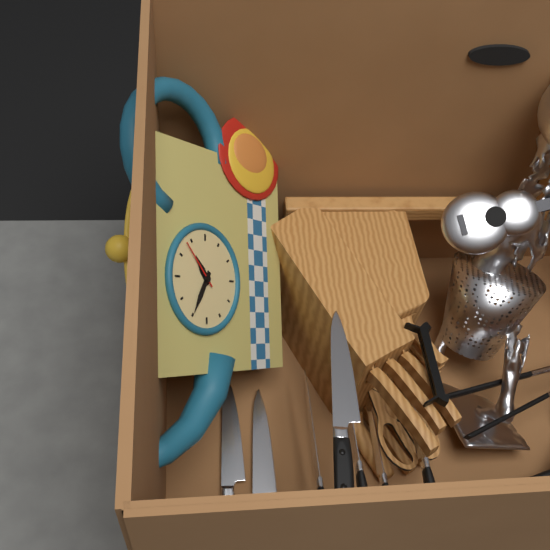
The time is h=1 m=50
